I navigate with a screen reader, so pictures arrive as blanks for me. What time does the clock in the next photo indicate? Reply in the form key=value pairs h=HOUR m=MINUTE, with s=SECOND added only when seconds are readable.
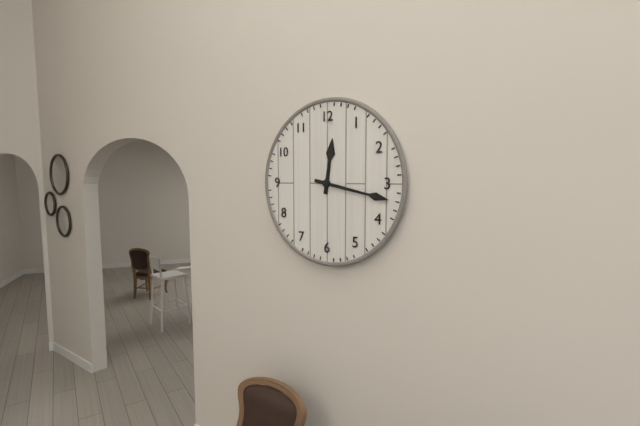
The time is h=12 m=17
